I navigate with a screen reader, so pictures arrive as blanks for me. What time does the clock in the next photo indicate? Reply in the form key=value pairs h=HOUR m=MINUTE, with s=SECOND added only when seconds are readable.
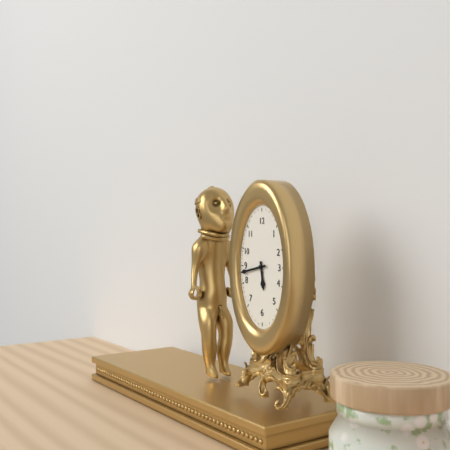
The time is h=5 m=43
